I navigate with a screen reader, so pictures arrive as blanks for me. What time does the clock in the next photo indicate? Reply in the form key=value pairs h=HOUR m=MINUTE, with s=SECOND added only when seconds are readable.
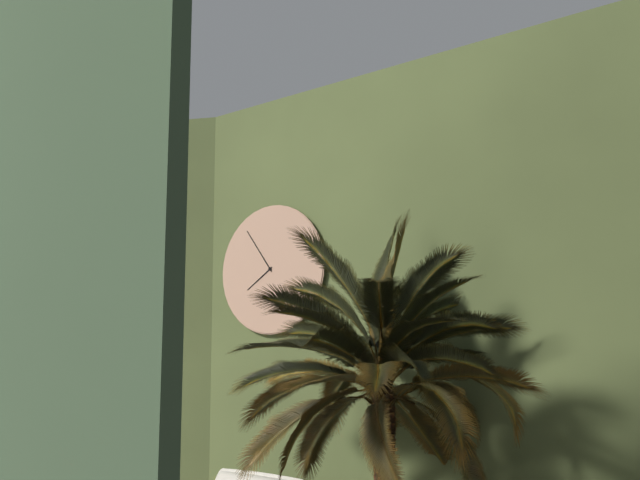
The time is h=7 m=54
